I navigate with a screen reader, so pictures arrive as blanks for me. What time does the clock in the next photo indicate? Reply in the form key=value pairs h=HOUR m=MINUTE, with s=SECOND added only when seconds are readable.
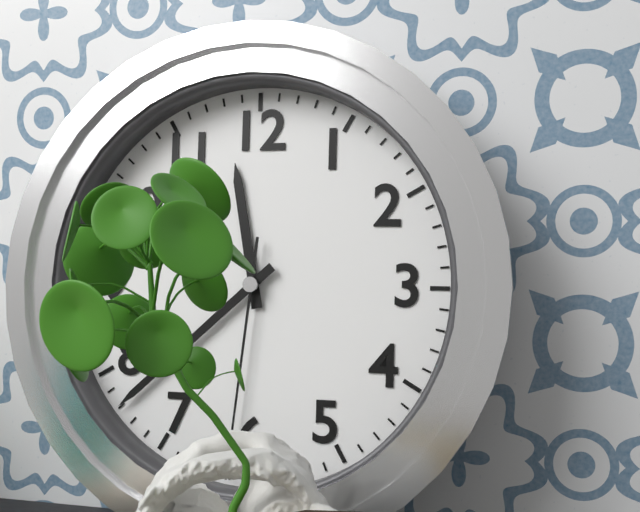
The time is h=11 m=38 s=31
